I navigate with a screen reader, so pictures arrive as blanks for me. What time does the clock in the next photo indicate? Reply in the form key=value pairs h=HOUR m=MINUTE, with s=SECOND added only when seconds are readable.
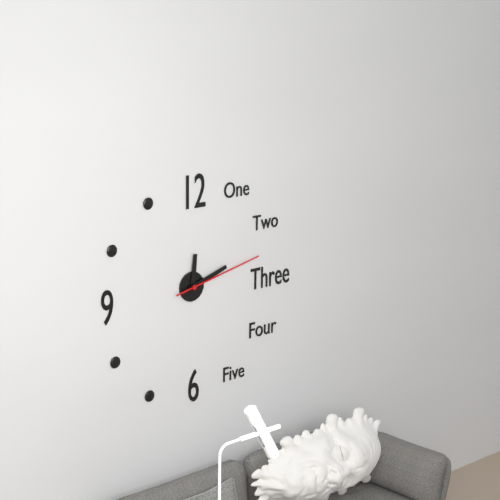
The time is h=12 m=12 s=13
